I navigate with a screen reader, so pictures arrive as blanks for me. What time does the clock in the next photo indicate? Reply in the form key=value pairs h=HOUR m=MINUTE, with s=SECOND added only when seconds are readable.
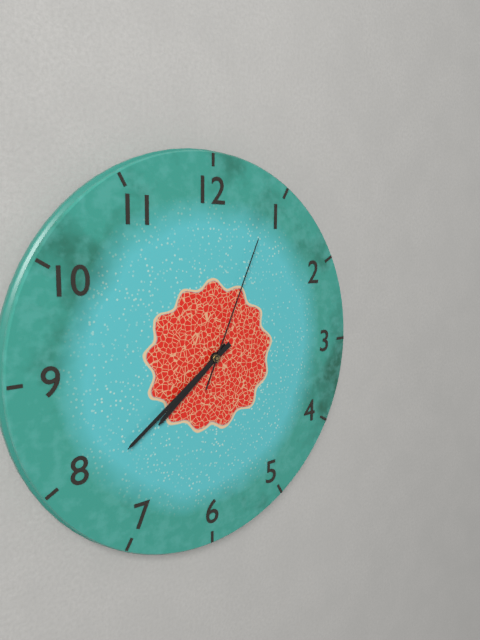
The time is h=7 m=39 s=4
